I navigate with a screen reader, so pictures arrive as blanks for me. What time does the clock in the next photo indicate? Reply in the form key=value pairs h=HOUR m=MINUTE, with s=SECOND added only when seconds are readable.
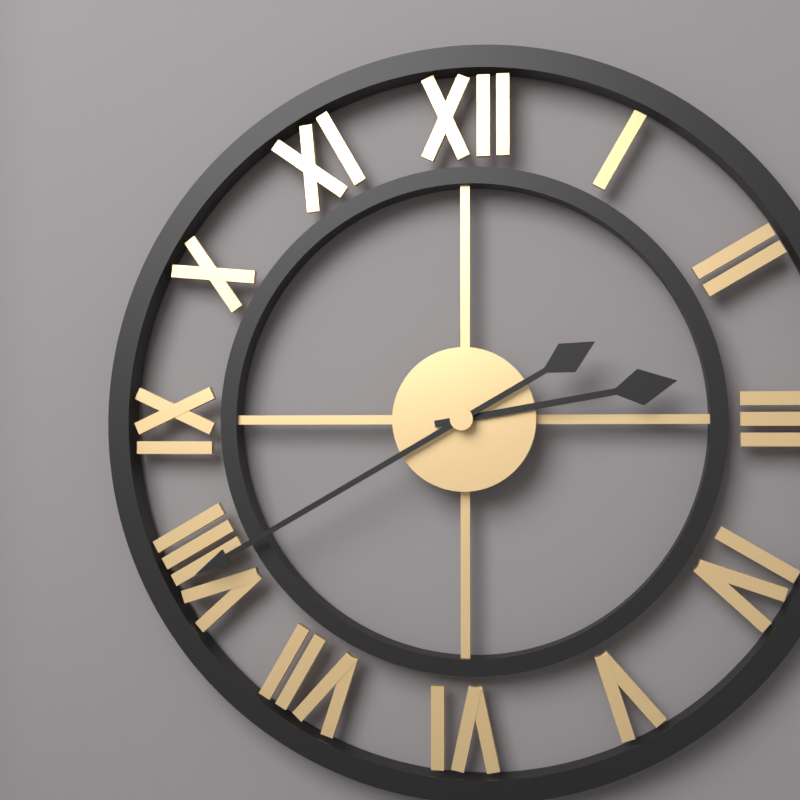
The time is h=2 m=40
